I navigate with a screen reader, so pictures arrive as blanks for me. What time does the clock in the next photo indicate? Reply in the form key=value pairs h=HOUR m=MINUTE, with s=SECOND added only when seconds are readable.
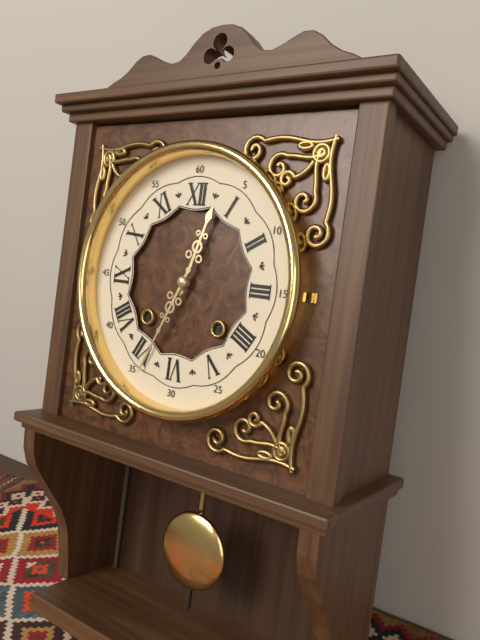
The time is h=12 m=34
